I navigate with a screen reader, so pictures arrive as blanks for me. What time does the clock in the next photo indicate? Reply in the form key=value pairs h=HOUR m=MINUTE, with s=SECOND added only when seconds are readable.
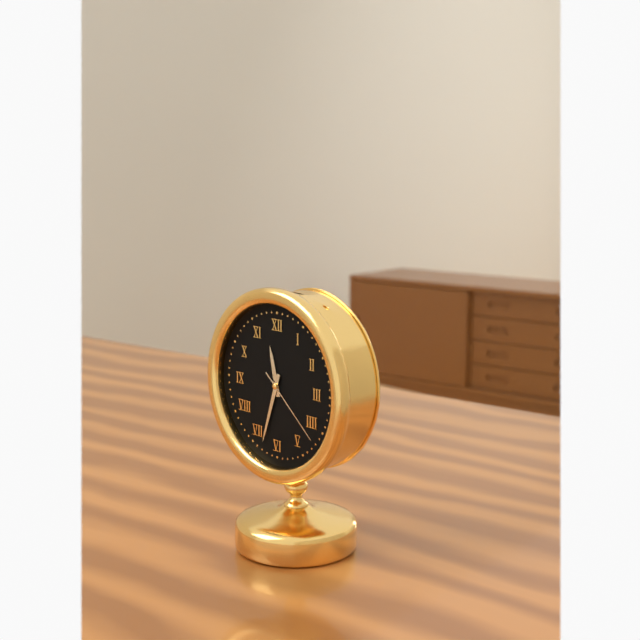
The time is h=11 m=33 s=22
